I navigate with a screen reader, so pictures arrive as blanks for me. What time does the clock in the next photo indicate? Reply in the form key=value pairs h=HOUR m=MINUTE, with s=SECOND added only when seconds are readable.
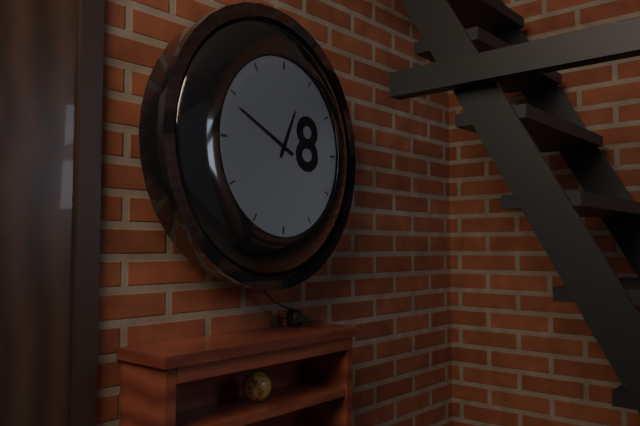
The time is h=12 m=49
